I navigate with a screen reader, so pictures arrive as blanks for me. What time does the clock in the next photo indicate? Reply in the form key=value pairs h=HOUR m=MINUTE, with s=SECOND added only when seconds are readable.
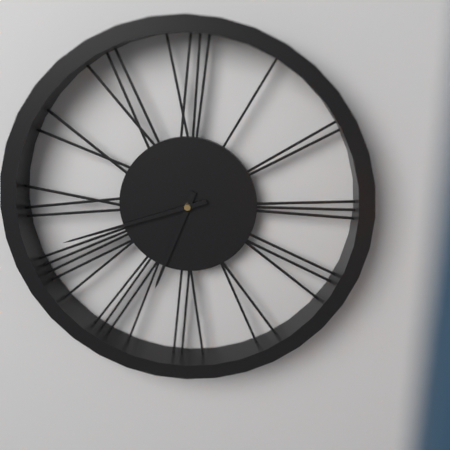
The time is h=6 m=42
